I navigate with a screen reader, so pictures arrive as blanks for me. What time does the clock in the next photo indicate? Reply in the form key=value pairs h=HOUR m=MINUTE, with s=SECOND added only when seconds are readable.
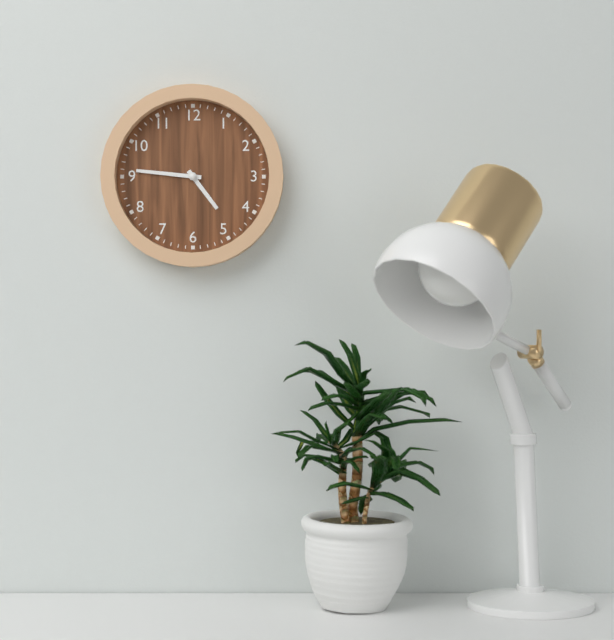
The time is h=4 m=46
